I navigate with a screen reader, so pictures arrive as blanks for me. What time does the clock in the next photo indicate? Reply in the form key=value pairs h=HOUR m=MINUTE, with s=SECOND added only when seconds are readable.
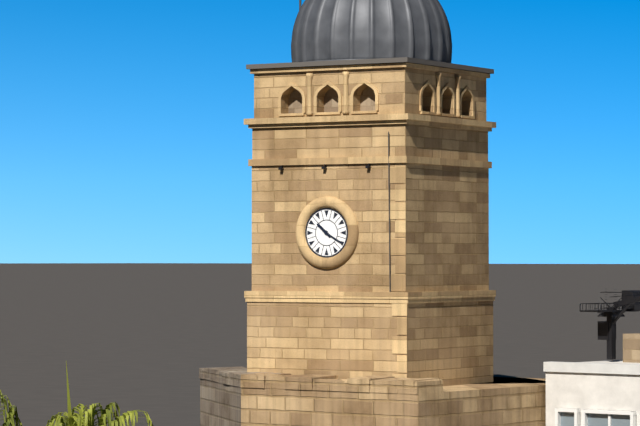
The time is h=10 m=20
